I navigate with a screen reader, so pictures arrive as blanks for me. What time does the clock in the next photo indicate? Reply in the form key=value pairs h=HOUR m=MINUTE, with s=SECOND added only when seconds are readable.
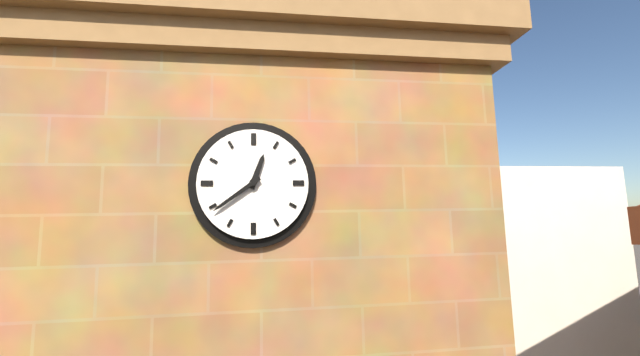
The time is h=12 m=39
